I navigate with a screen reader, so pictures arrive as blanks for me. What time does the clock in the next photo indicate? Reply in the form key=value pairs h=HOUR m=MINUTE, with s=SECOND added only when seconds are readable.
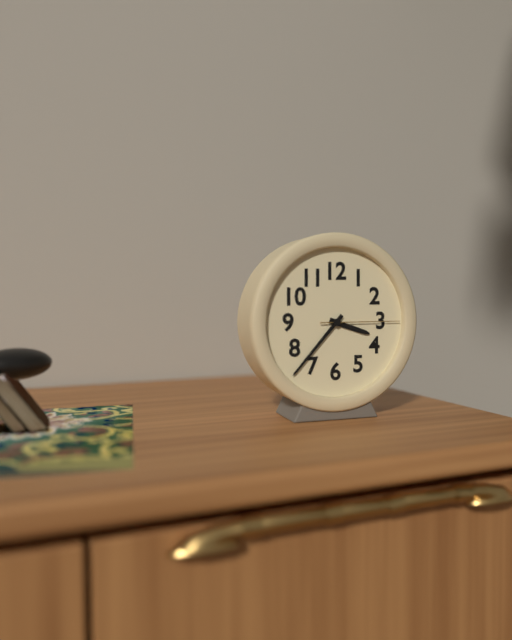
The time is h=3 m=37 s=15
